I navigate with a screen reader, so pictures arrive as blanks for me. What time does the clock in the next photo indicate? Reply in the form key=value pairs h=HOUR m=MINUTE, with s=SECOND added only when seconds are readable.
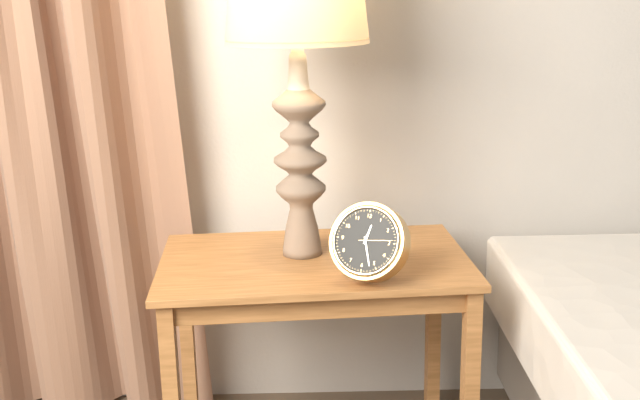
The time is h=12 m=27
